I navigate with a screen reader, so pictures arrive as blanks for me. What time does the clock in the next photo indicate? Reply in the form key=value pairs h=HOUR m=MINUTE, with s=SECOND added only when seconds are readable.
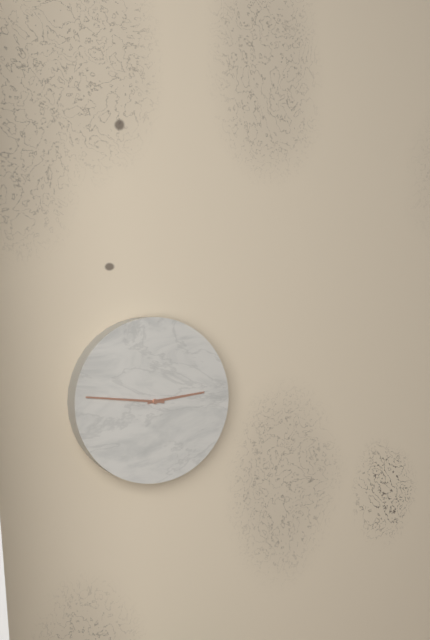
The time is h=2 m=46
